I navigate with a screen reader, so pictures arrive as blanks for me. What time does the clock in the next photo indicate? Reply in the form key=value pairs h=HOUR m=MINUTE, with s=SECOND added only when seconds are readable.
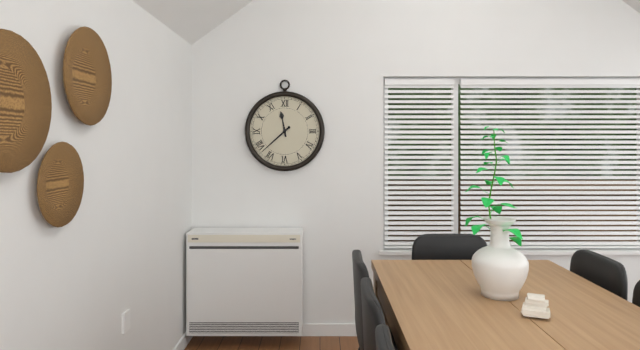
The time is h=11 m=38
